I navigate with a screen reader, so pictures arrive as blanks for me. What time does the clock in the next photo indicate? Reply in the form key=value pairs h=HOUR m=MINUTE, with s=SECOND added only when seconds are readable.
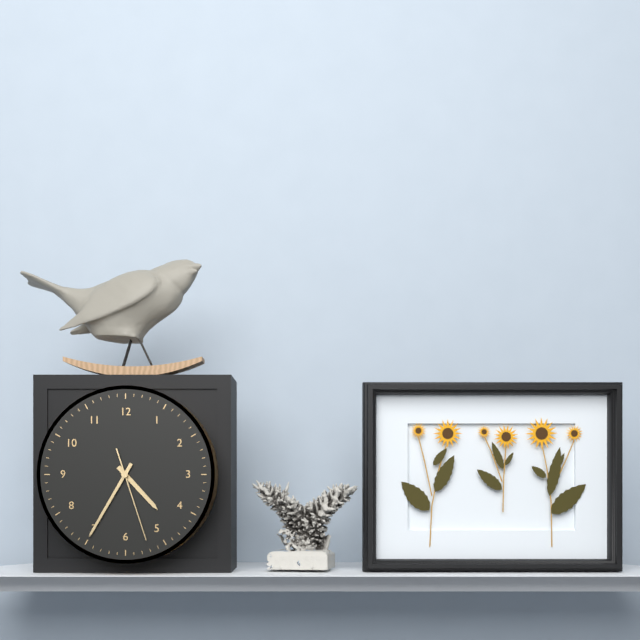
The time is h=4 m=35 s=27
